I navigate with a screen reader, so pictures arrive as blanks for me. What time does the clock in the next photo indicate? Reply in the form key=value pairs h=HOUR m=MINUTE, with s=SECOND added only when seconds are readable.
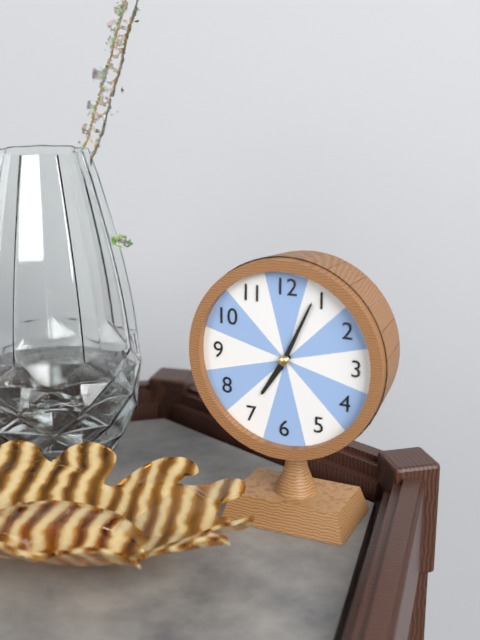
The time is h=7 m=4
